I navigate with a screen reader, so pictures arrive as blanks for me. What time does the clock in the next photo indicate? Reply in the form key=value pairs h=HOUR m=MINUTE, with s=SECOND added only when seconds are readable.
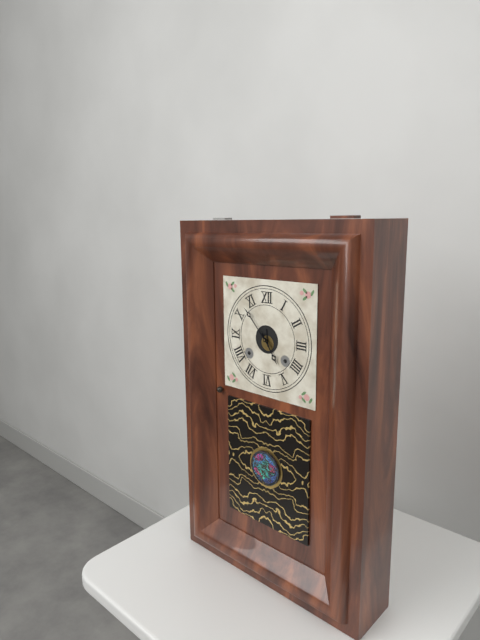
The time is h=4 m=53
